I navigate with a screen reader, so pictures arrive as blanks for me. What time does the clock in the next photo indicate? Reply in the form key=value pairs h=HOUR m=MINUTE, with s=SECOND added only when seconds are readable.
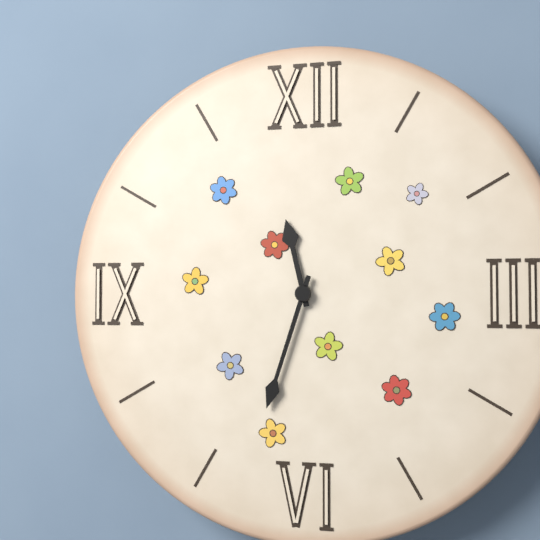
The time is h=11 m=33
